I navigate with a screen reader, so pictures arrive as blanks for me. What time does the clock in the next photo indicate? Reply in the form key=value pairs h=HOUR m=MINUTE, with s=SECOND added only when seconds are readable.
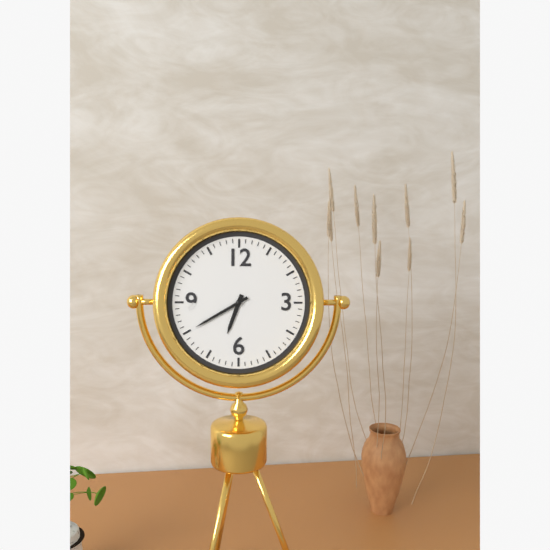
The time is h=6 m=40
